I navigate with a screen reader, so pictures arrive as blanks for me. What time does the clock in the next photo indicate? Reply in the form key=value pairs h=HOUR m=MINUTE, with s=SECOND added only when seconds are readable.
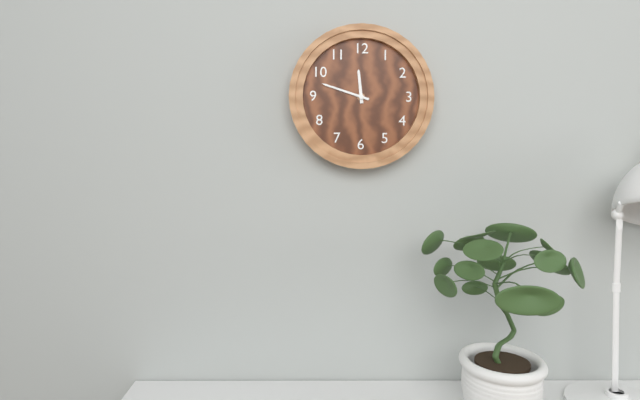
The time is h=11 m=48
